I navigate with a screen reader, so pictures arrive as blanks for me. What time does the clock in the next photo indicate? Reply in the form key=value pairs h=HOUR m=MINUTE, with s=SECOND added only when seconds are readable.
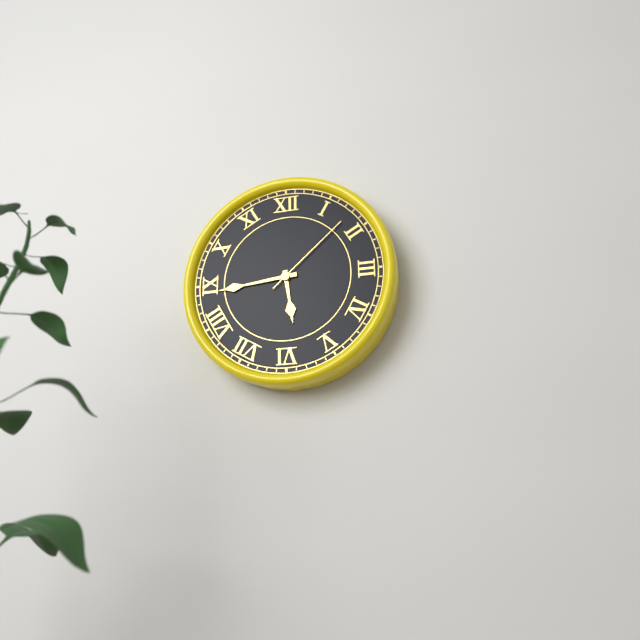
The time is h=5 m=44 s=8
